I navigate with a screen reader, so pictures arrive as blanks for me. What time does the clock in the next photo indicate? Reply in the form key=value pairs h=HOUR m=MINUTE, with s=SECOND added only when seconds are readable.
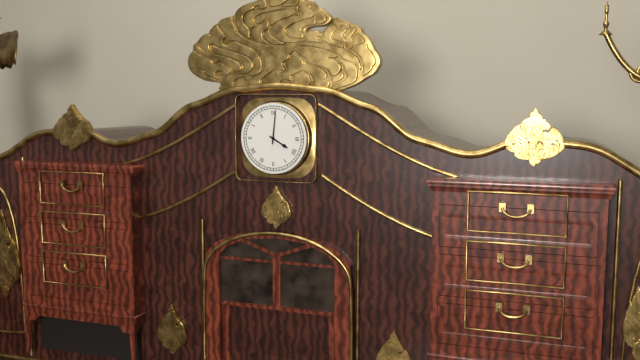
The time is h=4 m=1
